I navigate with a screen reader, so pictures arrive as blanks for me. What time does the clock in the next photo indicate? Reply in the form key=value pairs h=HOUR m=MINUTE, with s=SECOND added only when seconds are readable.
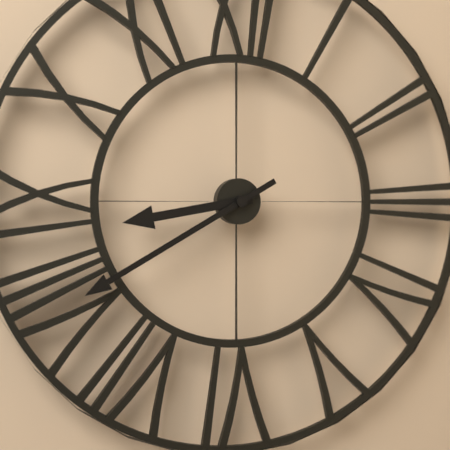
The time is h=8 m=40
